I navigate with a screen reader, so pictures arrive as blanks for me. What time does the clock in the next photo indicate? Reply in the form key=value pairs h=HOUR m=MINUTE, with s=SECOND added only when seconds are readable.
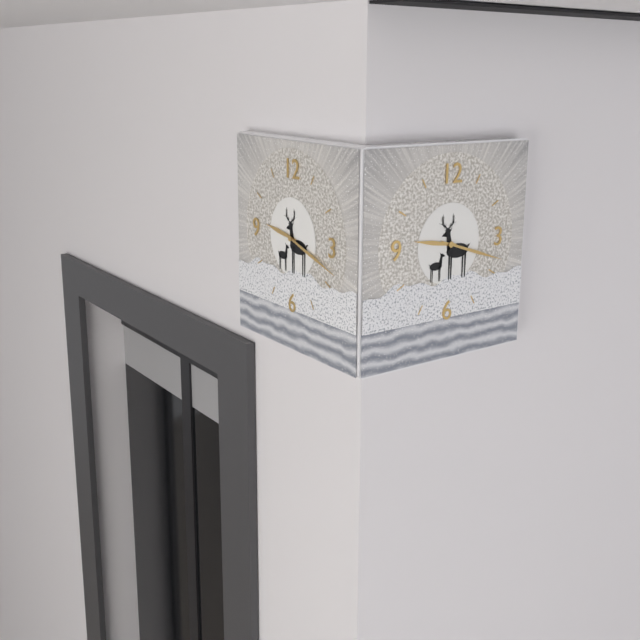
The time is h=9 m=18
